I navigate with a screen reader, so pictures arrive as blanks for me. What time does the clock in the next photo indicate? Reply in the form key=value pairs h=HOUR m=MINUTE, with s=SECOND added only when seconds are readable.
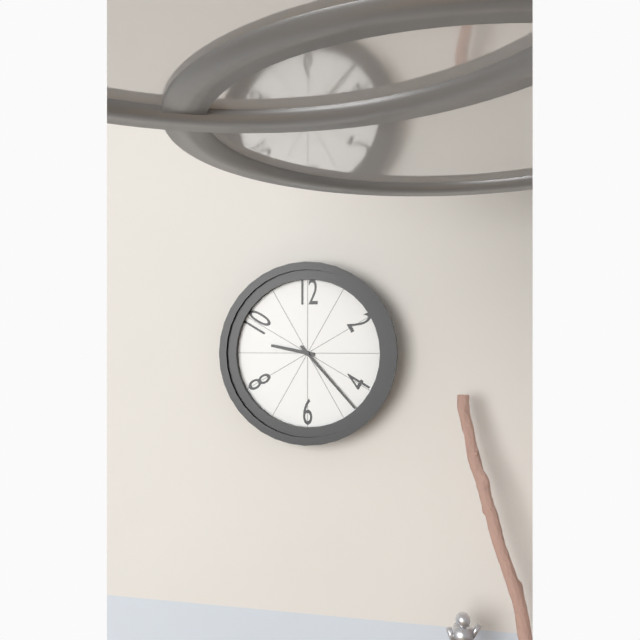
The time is h=9 m=23
